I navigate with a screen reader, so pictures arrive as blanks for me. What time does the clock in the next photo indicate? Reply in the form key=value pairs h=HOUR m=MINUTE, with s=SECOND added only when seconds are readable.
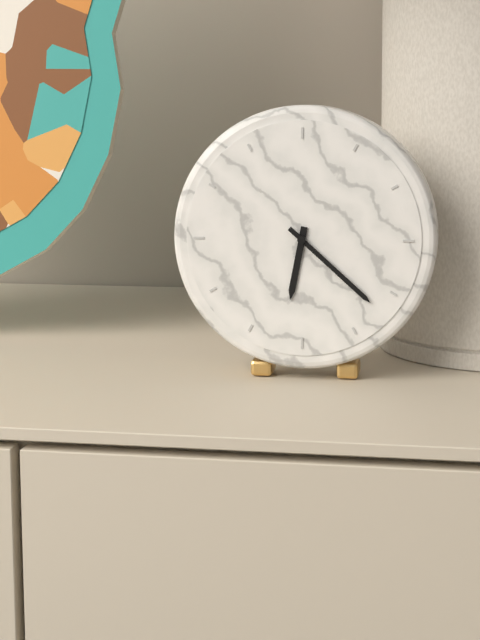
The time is h=6 m=22
